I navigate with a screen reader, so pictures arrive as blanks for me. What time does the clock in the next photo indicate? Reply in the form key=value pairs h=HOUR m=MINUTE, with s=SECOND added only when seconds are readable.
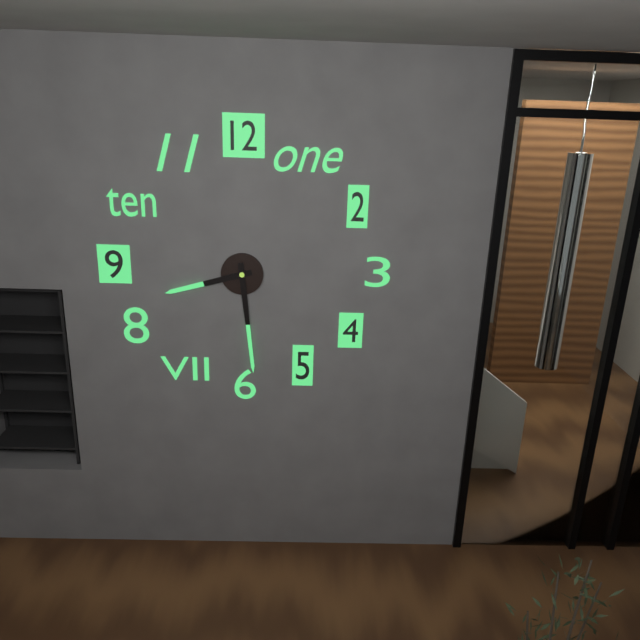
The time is h=8 m=29
